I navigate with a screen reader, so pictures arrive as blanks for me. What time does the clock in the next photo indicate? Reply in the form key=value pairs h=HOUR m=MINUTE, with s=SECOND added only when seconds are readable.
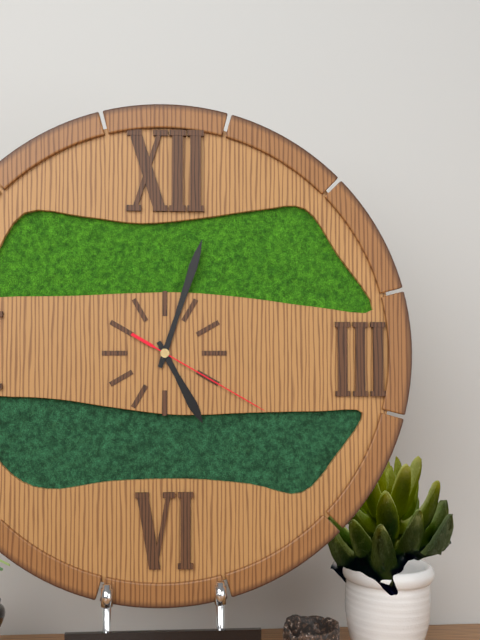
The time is h=5 m=3 s=20
